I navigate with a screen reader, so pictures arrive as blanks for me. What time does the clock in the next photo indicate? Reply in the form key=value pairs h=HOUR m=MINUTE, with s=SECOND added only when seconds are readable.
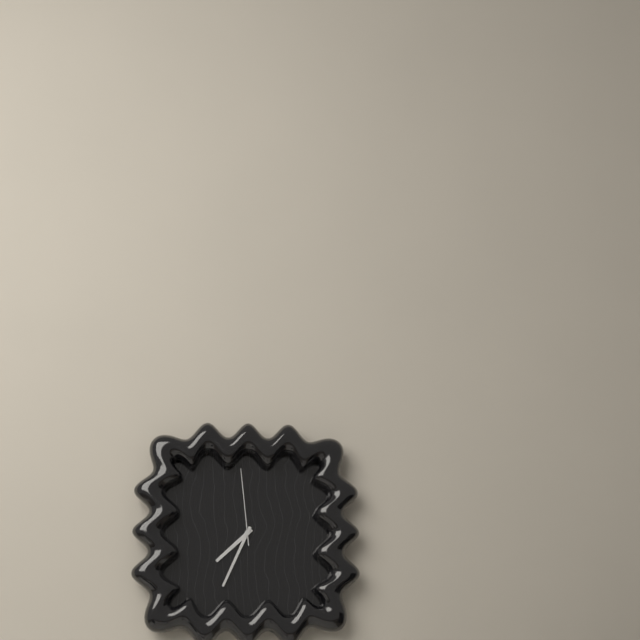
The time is h=7 m=34 s=59
